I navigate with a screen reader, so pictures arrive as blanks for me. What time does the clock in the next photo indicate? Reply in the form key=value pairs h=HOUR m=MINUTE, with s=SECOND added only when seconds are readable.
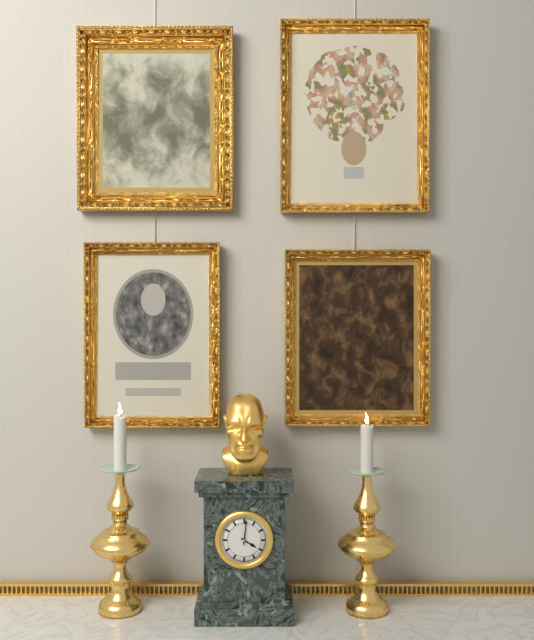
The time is h=4 m=1
